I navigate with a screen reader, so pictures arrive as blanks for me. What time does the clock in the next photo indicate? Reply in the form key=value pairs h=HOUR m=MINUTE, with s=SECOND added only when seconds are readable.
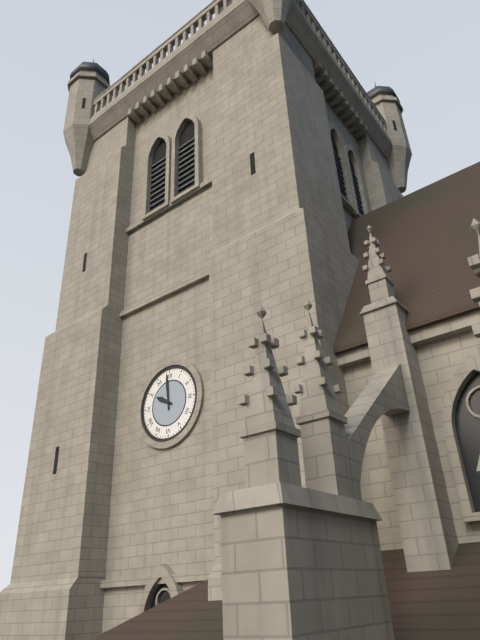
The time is h=9 m=59
